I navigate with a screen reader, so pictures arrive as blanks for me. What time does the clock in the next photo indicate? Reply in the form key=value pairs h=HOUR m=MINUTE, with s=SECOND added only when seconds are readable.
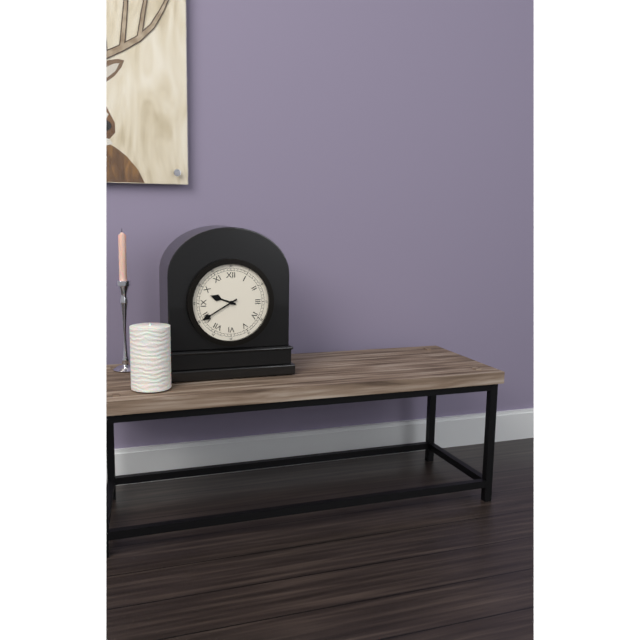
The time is h=9 m=40
